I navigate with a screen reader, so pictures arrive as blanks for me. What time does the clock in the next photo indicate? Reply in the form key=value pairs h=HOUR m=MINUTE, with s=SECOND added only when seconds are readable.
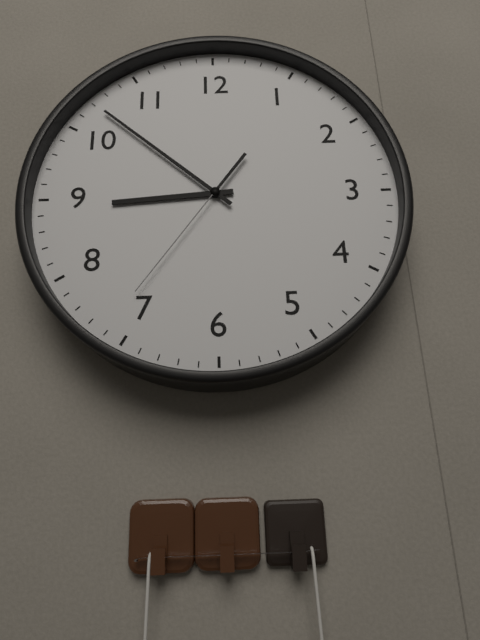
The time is h=8 m=52 s=36
